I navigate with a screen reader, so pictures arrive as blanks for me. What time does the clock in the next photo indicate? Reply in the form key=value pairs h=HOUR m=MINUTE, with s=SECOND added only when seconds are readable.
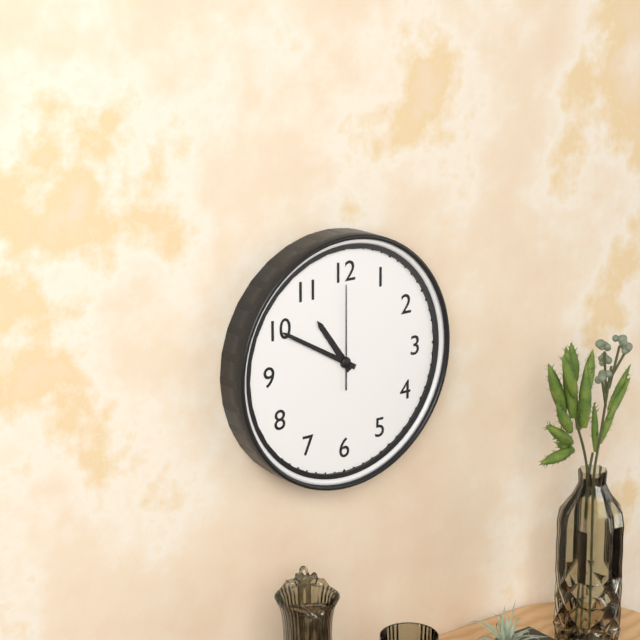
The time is h=10 m=50 s=0
